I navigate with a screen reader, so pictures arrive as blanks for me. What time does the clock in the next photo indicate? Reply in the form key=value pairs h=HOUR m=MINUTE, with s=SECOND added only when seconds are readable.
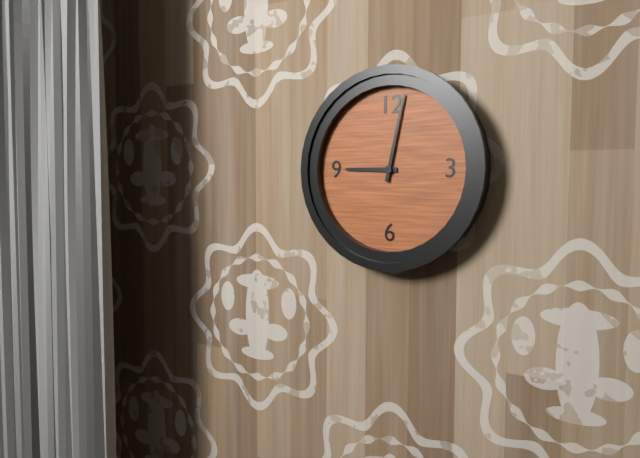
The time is h=9 m=2
